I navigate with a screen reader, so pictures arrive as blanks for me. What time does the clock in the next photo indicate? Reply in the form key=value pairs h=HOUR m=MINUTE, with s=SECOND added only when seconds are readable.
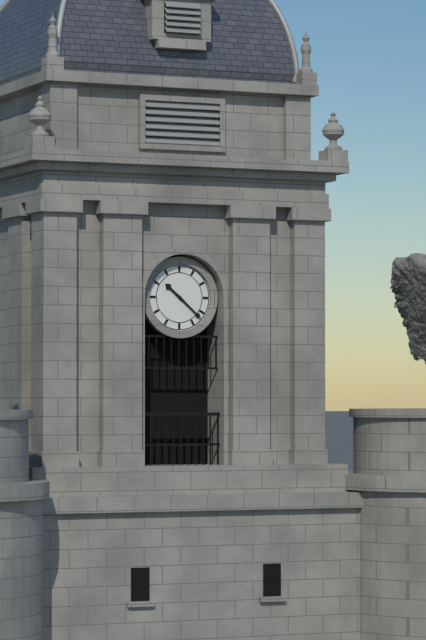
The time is h=10 m=22
